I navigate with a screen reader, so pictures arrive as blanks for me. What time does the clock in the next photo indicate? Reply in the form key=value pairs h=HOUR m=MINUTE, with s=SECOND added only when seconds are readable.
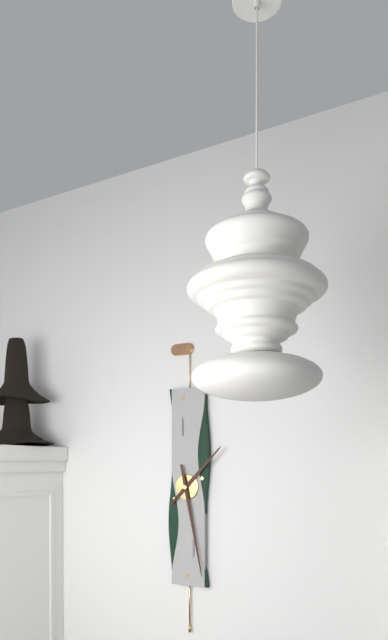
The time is h=1 m=28
